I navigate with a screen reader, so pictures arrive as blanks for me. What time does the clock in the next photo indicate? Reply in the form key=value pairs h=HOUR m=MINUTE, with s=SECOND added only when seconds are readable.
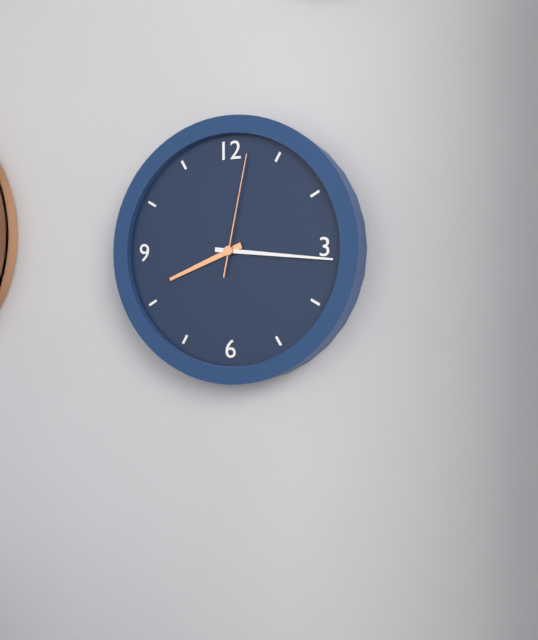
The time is h=8 m=16 s=2
